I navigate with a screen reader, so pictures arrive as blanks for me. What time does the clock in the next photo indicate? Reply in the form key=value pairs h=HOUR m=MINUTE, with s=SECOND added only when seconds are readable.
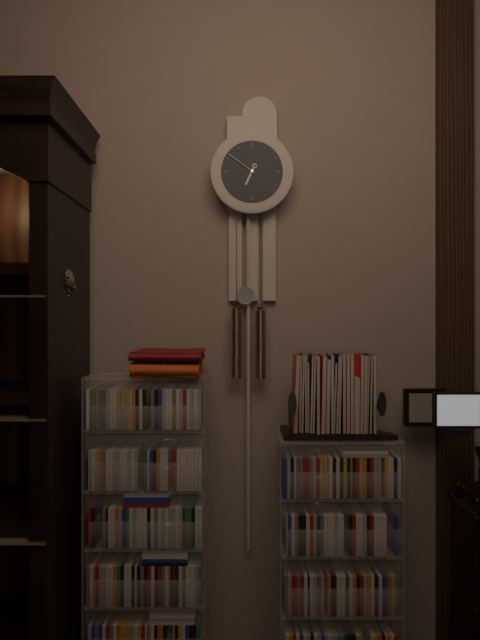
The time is h=6 m=51
